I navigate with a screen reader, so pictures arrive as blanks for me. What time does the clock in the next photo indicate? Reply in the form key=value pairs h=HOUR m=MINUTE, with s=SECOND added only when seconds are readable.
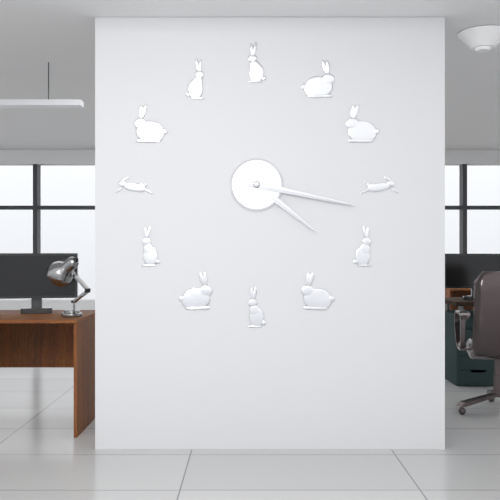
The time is h=4 m=17
